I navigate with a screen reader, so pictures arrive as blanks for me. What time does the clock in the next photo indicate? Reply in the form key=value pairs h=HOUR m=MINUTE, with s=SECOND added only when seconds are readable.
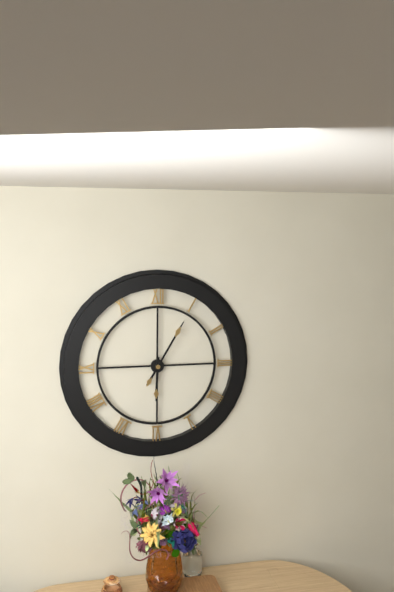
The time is h=6 m=5
